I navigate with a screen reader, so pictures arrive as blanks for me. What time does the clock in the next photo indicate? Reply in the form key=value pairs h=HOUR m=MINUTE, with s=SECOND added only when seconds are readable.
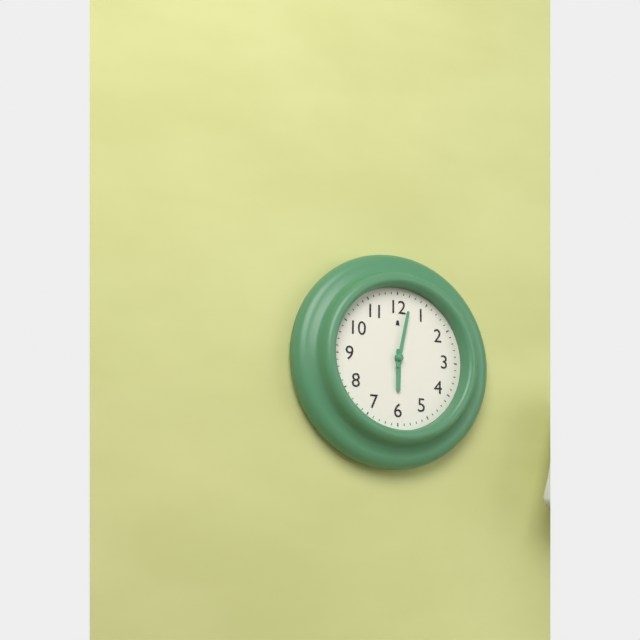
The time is h=6 m=2
